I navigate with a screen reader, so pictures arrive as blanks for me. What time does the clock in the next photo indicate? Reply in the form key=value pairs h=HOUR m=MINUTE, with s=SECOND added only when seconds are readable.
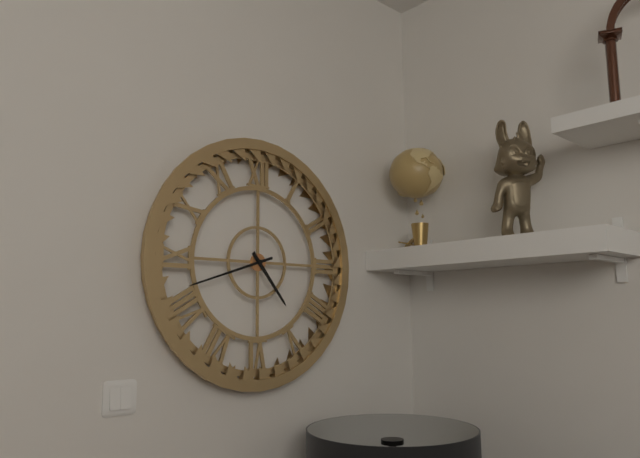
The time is h=4 m=42
